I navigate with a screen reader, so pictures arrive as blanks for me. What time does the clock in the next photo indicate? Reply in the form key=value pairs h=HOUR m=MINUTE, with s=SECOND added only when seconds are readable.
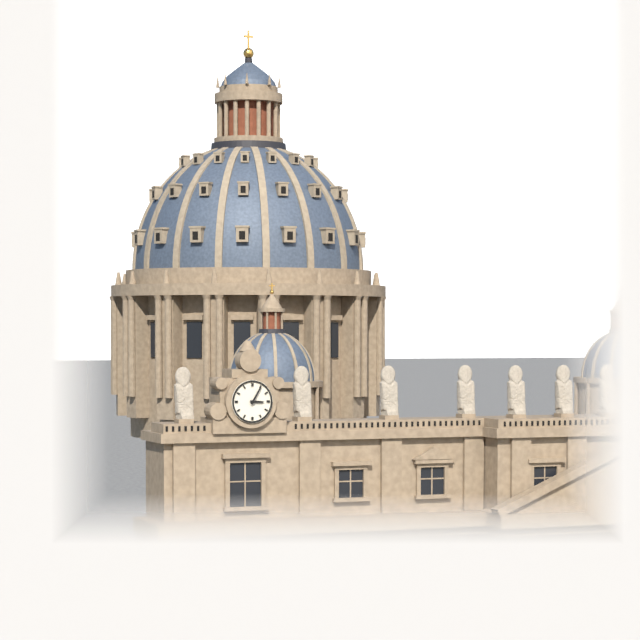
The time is h=3 m=5
